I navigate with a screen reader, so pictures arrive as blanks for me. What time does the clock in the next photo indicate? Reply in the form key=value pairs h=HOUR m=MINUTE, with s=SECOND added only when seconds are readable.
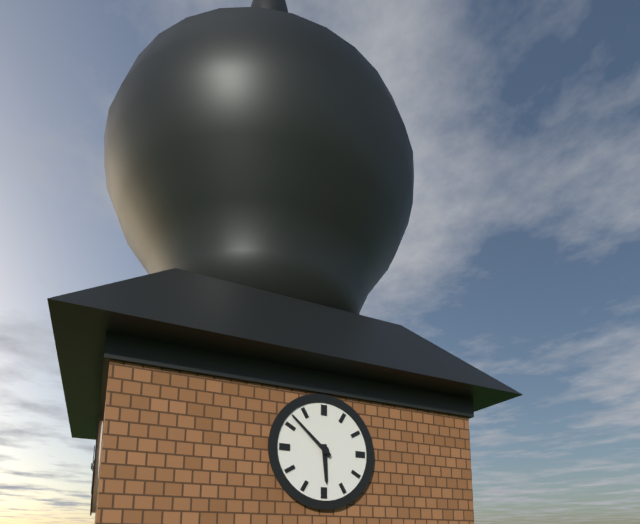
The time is h=5 m=52
